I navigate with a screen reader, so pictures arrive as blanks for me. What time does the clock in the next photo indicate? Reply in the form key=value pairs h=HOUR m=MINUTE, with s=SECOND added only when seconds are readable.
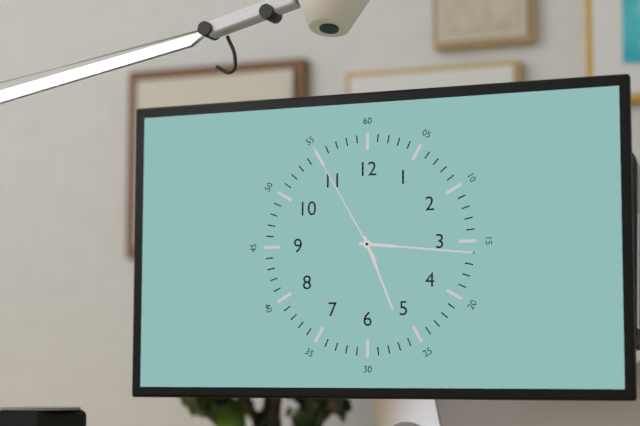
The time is h=5 m=16 s=55
